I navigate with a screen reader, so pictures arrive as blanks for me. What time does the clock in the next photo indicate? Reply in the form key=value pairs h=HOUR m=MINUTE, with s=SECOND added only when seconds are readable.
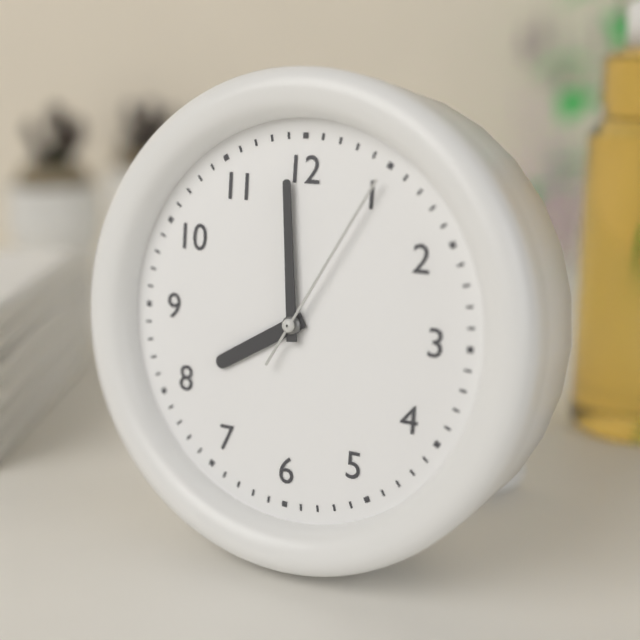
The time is h=7 m=59 s=5
